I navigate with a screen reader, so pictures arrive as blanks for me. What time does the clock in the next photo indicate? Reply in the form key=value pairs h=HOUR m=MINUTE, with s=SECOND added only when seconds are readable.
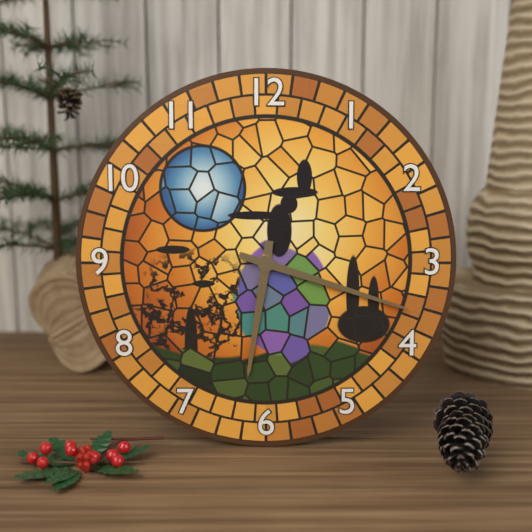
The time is h=6 m=18
